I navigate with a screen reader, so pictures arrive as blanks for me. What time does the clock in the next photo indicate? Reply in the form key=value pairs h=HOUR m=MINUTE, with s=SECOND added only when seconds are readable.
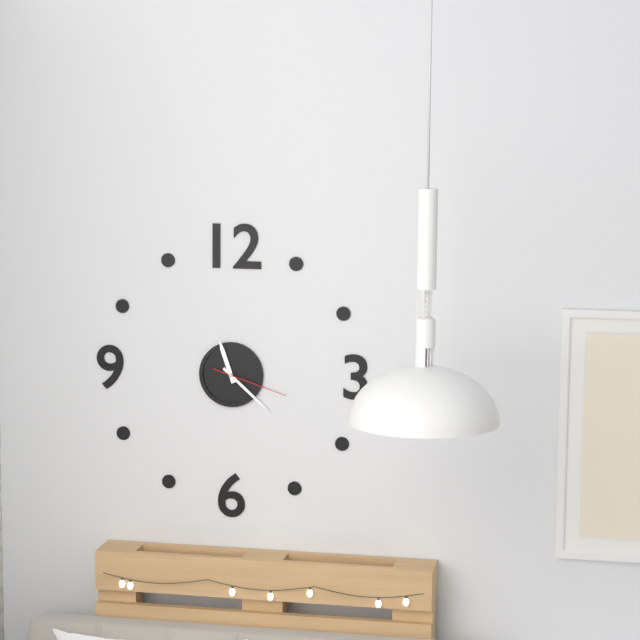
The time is h=11 m=22 s=18
